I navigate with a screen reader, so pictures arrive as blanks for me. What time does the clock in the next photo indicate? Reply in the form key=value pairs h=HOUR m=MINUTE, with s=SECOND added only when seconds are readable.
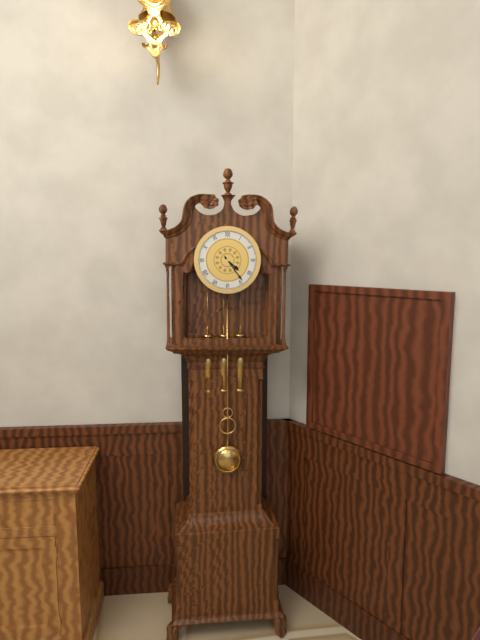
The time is h=4 m=24
